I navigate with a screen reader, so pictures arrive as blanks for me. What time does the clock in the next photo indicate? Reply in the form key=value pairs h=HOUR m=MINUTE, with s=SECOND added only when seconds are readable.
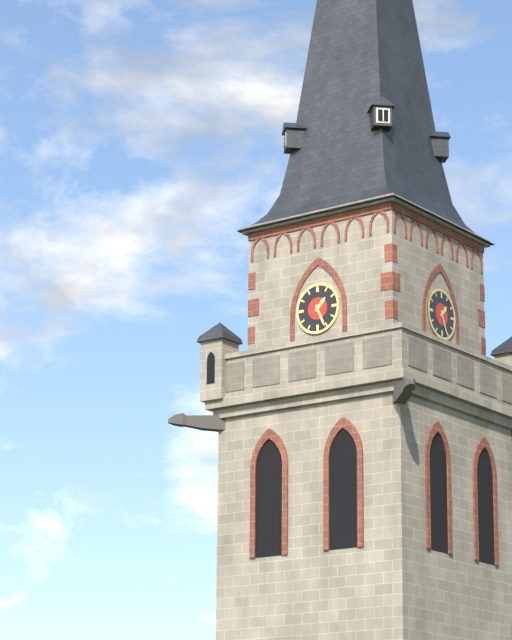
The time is h=1 m=26
